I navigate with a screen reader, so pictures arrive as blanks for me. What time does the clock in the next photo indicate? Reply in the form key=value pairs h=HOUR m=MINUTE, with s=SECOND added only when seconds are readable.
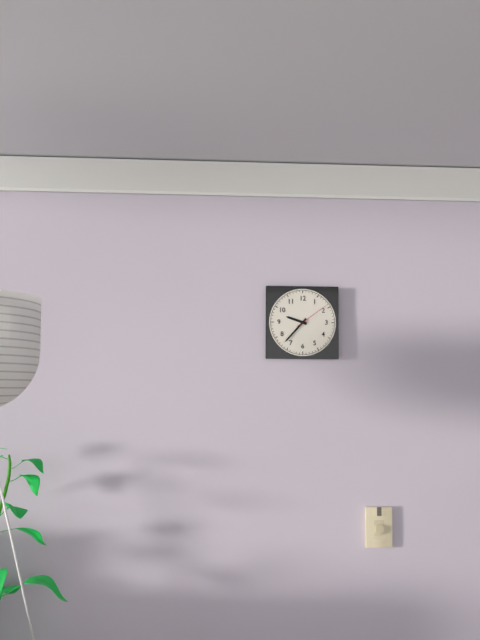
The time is h=9 m=37
